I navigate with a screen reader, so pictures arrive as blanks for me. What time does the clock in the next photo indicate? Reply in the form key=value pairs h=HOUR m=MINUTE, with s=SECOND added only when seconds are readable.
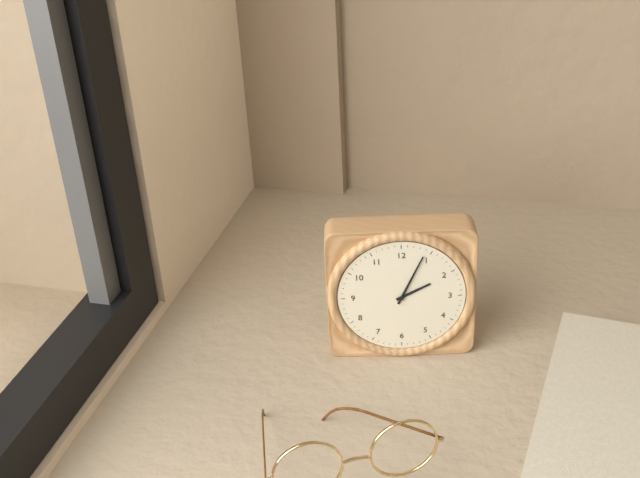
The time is h=2 m=4
